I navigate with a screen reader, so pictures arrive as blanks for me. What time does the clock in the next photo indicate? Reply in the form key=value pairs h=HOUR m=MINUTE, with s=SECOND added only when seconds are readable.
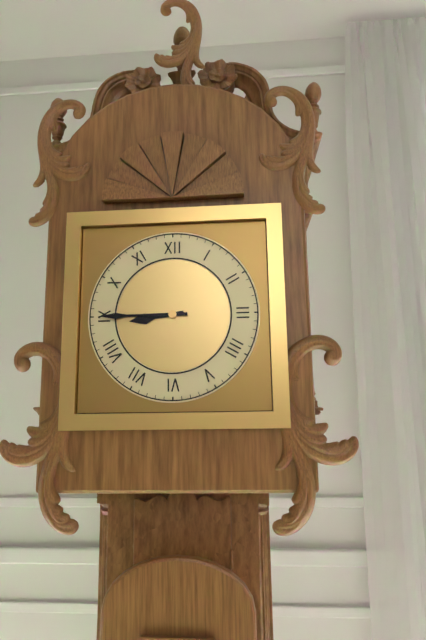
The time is h=8 m=45
